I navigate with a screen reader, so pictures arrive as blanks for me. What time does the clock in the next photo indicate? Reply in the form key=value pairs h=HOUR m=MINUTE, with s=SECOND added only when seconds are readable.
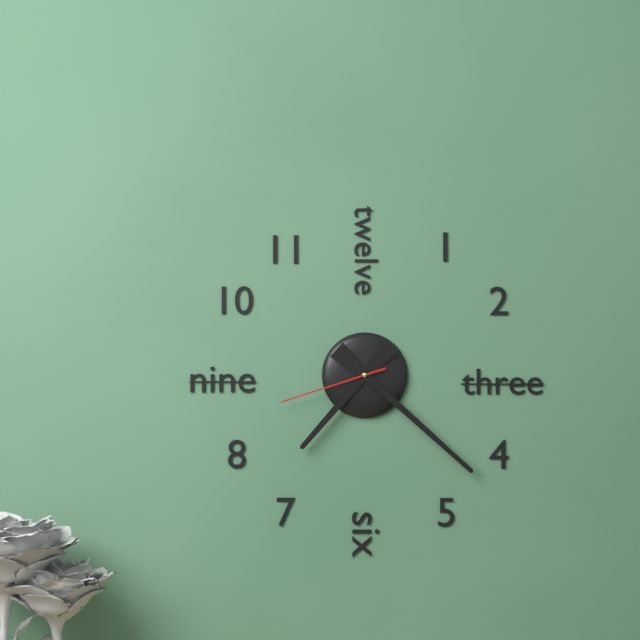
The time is h=7 m=22 s=42
